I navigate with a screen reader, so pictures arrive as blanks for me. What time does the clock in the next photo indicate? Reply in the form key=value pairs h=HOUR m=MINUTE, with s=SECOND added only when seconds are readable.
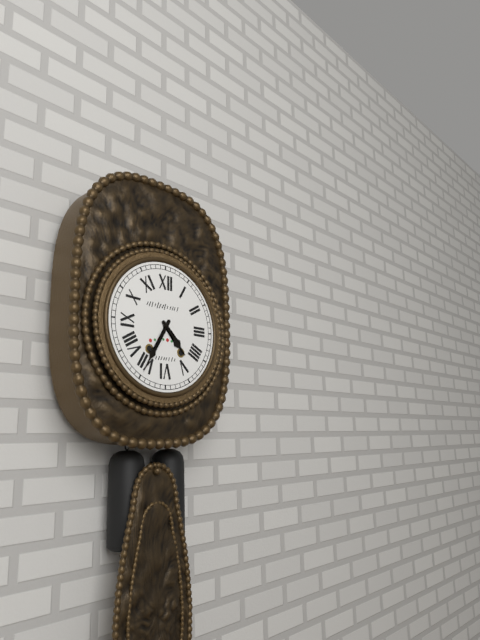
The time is h=4 m=35
